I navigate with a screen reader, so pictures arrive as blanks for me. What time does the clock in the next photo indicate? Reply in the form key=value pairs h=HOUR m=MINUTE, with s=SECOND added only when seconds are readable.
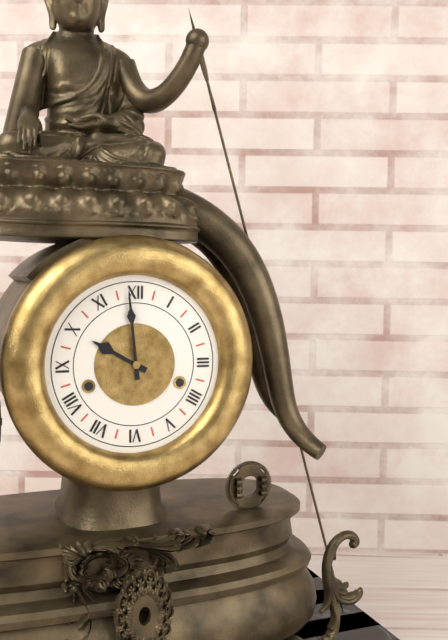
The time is h=9 m=59
